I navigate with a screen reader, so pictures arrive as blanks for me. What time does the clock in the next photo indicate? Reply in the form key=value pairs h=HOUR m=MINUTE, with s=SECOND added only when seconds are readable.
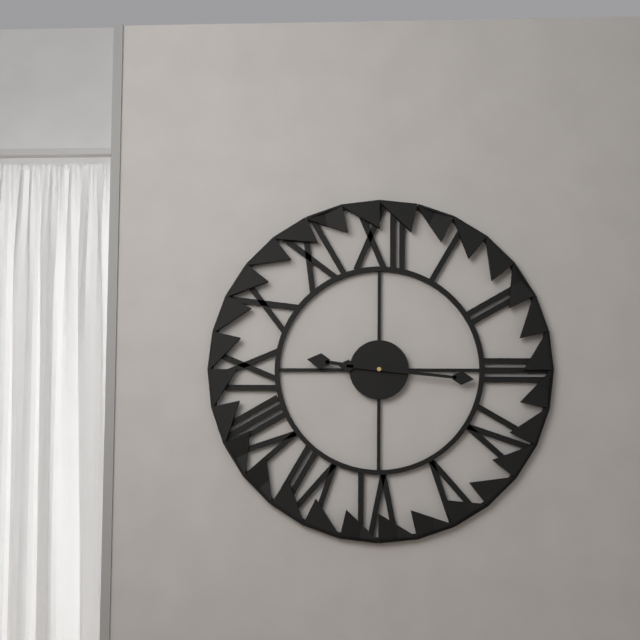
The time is h=9 m=16
